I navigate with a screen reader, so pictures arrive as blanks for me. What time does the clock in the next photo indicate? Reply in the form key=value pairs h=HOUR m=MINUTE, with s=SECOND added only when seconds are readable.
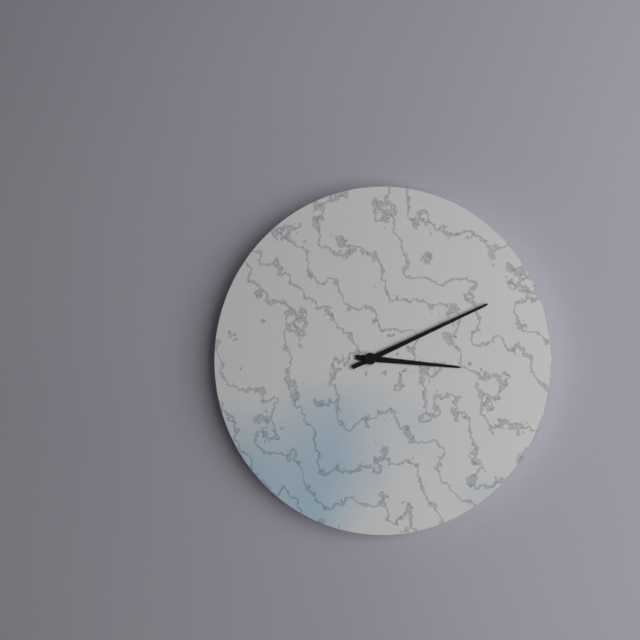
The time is h=3 m=11
